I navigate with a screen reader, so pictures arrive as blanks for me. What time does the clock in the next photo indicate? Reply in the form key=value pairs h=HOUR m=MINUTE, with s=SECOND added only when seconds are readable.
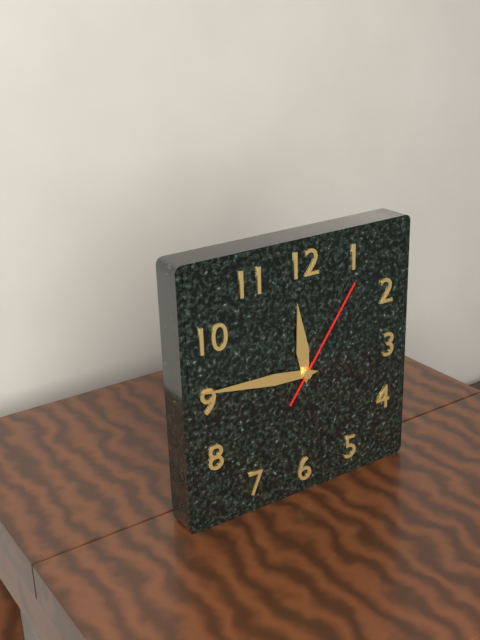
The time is h=11 m=46 s=6
